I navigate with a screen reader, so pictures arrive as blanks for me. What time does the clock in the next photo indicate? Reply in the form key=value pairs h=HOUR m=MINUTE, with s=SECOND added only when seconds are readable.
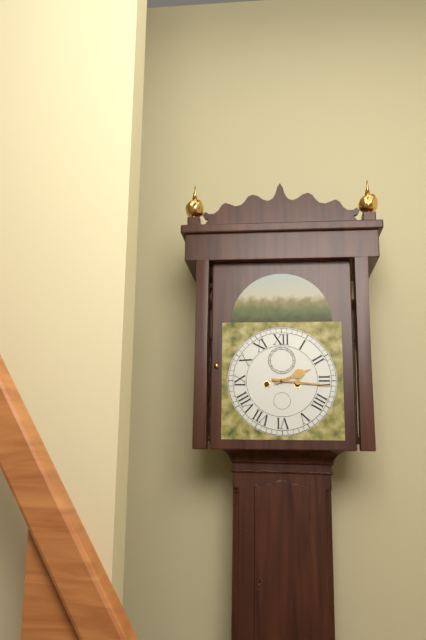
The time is h=2 m=16
